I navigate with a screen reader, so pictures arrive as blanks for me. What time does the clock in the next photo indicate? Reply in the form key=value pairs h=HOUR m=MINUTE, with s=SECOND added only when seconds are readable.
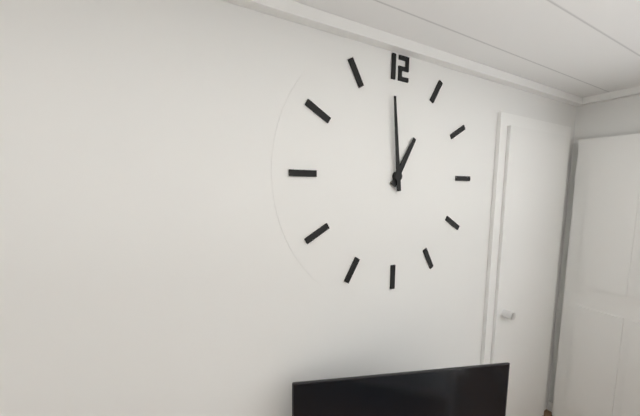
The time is h=12 m=59
